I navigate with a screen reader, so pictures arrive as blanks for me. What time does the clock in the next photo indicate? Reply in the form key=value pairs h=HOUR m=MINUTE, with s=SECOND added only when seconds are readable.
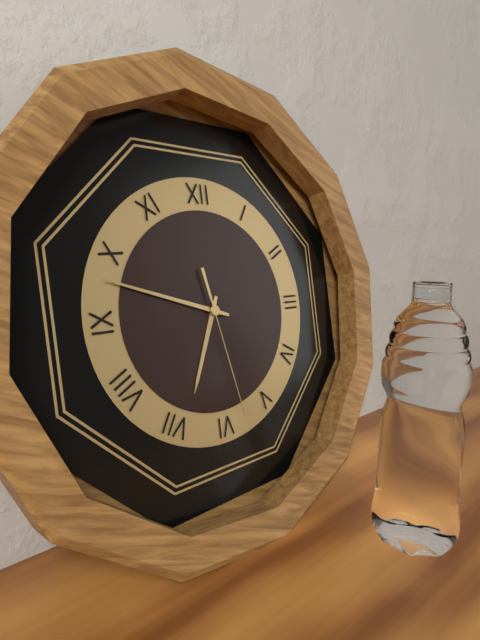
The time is h=6 m=48 s=28
